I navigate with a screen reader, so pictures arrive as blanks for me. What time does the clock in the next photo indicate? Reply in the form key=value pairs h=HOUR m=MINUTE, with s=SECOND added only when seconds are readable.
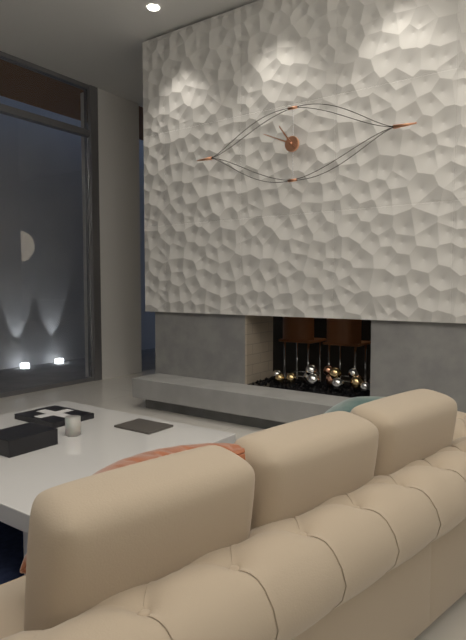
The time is h=10 m=49
